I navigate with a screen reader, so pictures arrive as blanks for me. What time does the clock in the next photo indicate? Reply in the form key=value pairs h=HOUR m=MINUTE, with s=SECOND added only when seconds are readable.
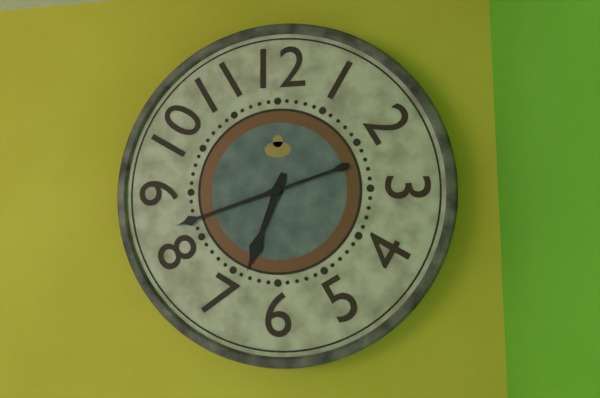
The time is h=6 m=42
